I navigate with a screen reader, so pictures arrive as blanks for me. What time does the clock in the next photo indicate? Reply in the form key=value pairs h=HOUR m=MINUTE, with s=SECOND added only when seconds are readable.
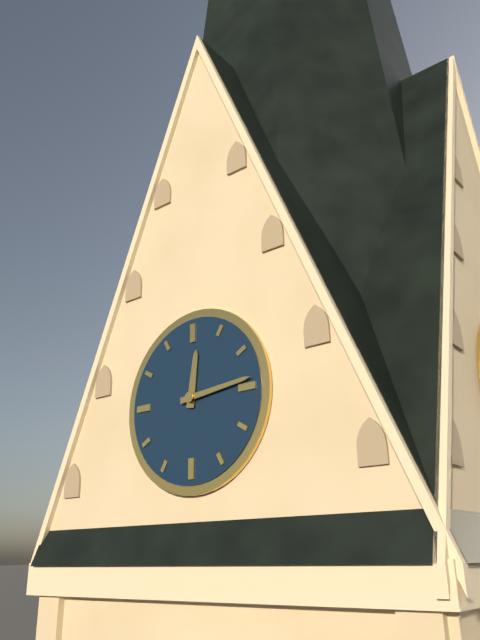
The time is h=12 m=14
